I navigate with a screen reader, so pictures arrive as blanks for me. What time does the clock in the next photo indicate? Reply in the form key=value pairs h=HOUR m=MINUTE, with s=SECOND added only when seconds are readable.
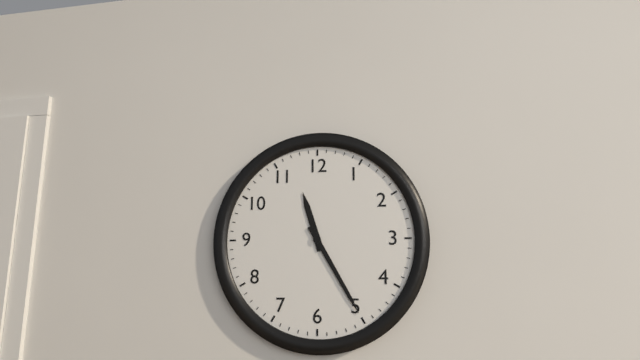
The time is h=11 m=25
